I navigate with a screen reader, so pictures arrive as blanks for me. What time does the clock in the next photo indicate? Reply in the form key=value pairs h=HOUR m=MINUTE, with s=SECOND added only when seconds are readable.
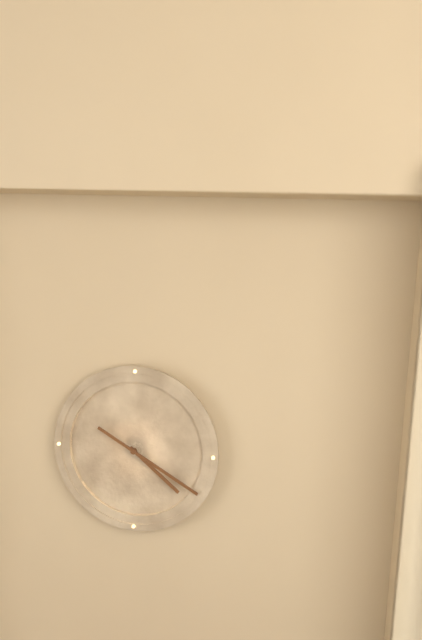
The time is h=4 m=20
